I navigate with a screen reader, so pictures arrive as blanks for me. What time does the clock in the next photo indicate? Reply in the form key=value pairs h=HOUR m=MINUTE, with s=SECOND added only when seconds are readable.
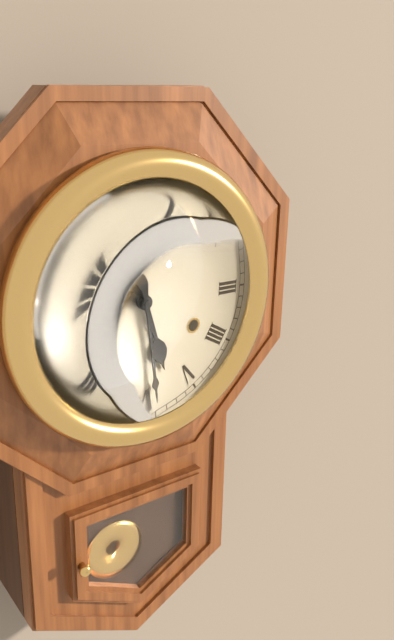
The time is h=5 m=29
